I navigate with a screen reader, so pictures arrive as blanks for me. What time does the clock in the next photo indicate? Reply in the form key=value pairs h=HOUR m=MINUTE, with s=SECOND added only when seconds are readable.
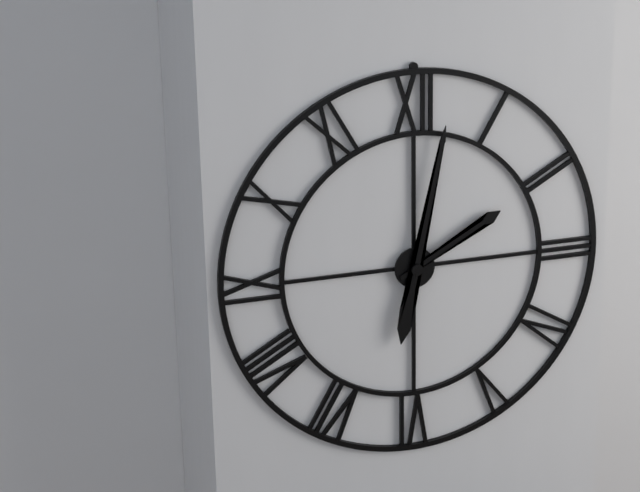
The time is h=2 m=2
